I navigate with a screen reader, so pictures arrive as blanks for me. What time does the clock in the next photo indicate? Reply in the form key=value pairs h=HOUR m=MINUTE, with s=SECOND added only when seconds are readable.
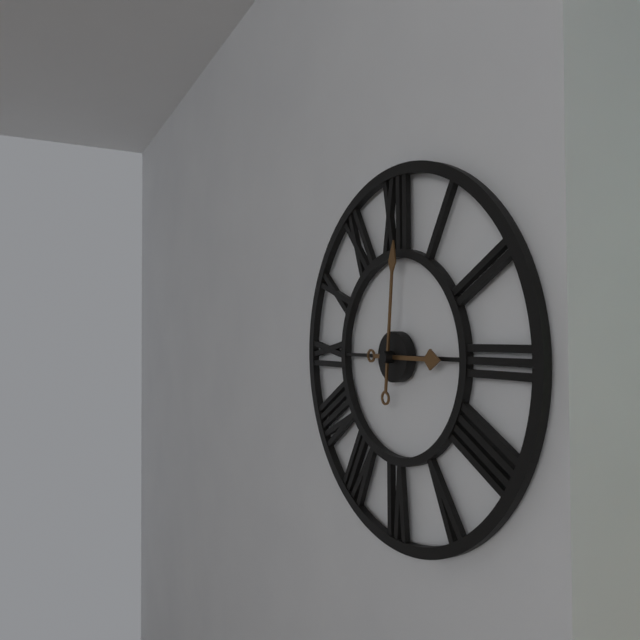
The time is h=3 m=1
